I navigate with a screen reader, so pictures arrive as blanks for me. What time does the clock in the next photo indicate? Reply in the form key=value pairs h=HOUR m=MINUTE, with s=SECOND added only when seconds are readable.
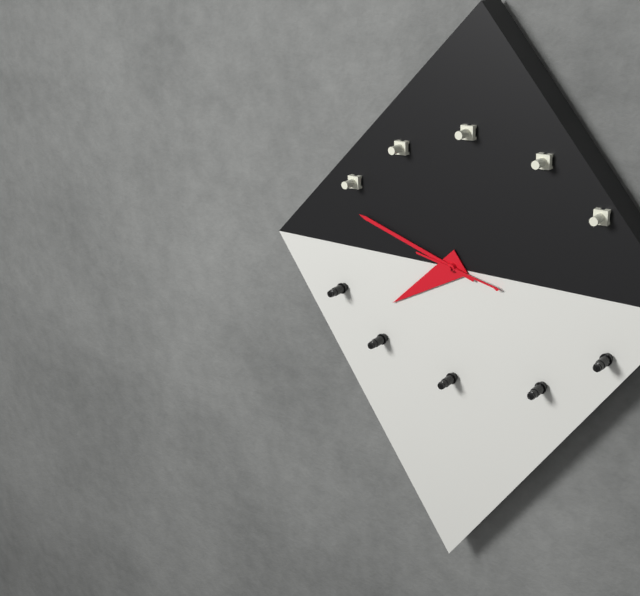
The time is h=7 m=48 s=17
